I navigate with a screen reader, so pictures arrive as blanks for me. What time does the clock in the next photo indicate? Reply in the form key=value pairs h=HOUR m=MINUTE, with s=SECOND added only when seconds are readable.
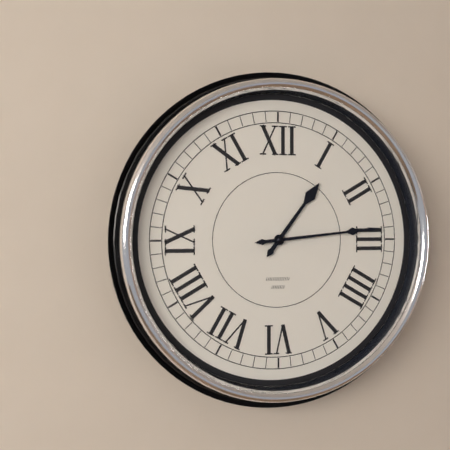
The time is h=1 m=14
